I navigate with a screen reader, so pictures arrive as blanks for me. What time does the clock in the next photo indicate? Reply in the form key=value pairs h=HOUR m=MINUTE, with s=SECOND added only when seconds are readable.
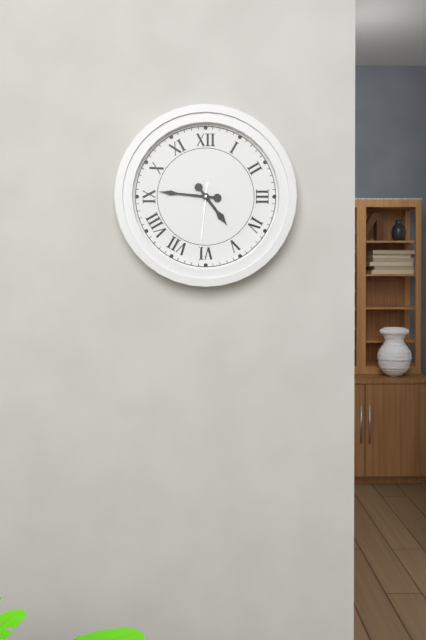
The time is h=4 m=46 s=31
